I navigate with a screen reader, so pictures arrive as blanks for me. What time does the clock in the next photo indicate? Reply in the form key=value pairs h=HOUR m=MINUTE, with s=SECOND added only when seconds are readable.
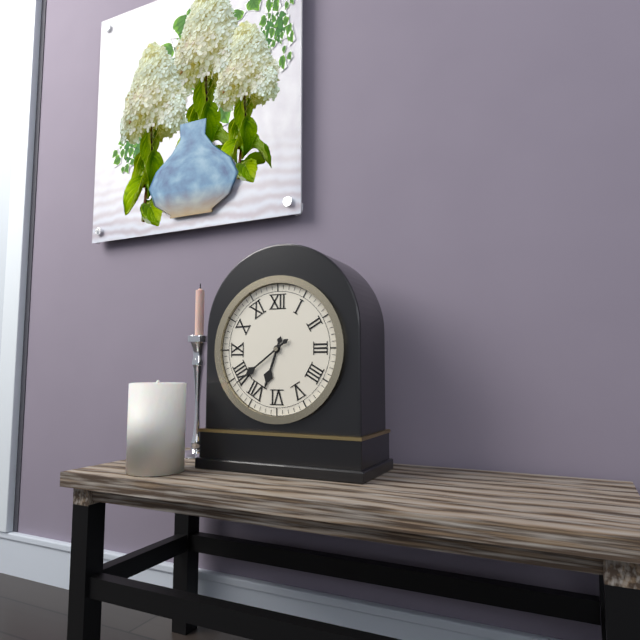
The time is h=6 m=39
